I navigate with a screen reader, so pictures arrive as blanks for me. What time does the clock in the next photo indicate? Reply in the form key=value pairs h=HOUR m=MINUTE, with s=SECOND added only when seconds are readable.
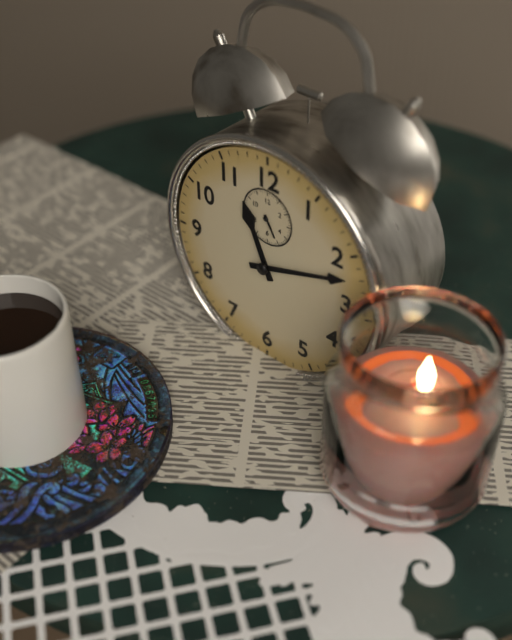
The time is h=11 m=12
